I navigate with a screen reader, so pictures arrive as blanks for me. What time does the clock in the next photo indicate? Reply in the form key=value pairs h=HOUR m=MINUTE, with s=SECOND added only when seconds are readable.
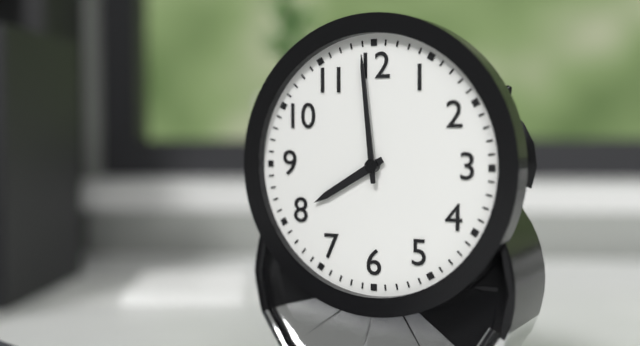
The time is h=7 m=59
